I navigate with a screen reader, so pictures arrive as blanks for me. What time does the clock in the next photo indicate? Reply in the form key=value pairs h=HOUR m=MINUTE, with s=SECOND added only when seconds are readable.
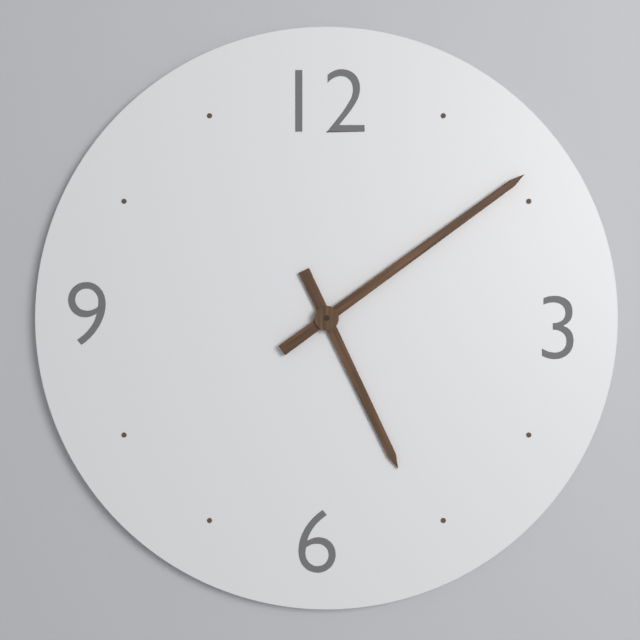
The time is h=5 m=9
